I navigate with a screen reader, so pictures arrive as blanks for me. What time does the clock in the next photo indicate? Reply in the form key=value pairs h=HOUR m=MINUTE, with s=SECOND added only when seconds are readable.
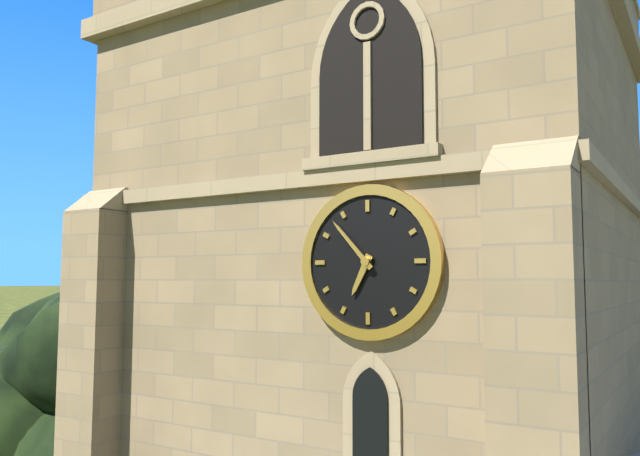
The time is h=6 m=53
